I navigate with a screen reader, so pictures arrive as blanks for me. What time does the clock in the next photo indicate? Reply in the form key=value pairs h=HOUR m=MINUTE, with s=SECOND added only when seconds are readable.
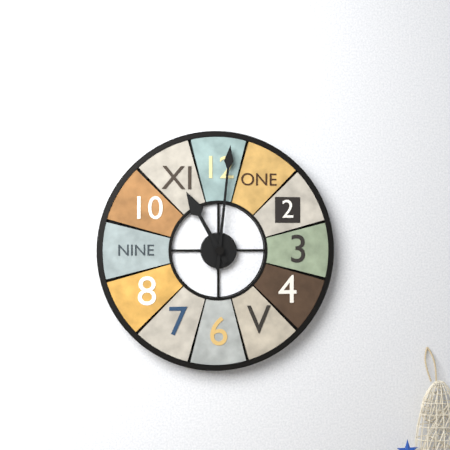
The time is h=11 m=1
